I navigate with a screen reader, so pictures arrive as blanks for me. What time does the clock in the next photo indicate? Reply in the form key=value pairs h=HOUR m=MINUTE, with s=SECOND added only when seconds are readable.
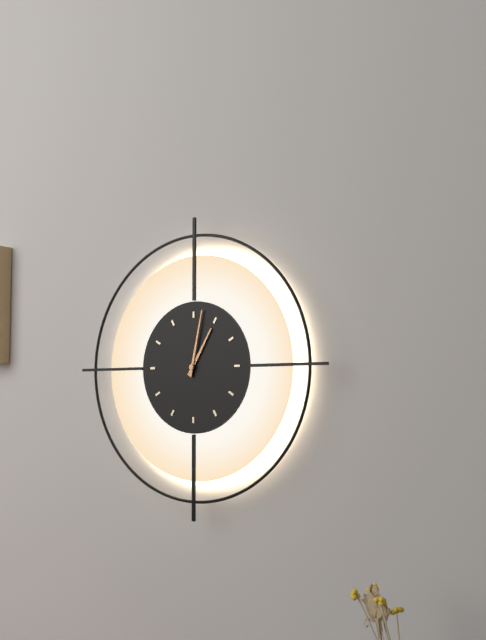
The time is h=1 m=2
